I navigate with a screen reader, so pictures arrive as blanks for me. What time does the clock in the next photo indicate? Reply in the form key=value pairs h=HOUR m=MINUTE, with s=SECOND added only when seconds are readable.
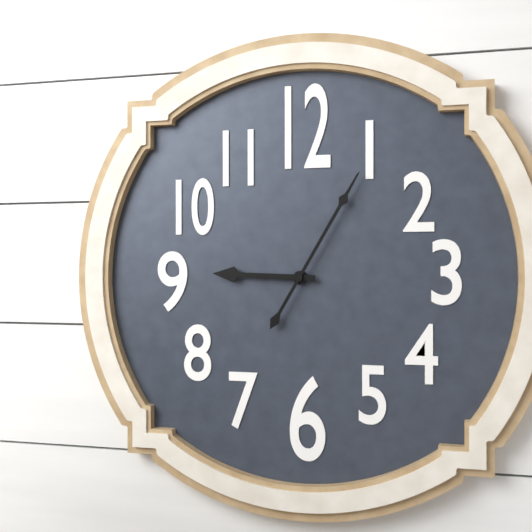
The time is h=9 m=5
